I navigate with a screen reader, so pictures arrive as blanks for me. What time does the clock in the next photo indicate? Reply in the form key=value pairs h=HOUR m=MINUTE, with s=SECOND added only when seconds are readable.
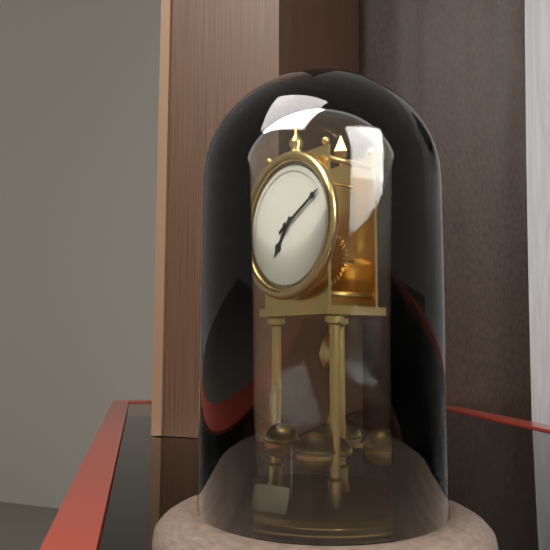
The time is h=7 m=10
